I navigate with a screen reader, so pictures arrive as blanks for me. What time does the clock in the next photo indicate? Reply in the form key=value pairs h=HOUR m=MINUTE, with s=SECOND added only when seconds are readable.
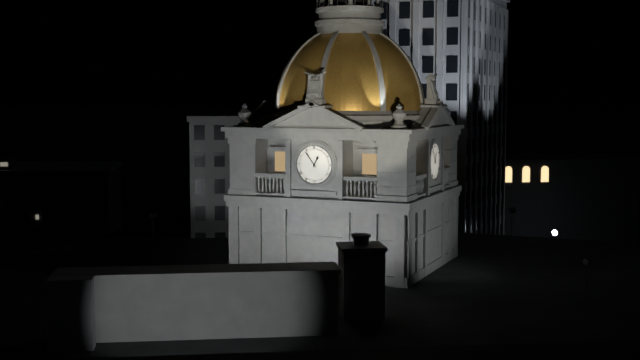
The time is h=12 m=54
